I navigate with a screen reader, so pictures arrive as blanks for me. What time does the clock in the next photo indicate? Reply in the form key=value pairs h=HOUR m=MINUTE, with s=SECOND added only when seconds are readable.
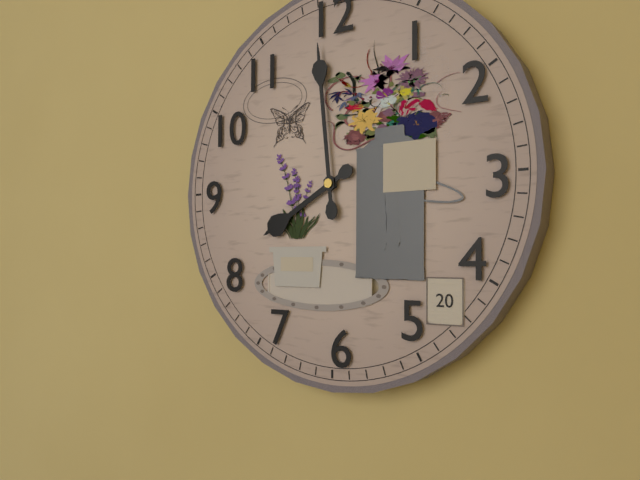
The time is h=7 m=59
